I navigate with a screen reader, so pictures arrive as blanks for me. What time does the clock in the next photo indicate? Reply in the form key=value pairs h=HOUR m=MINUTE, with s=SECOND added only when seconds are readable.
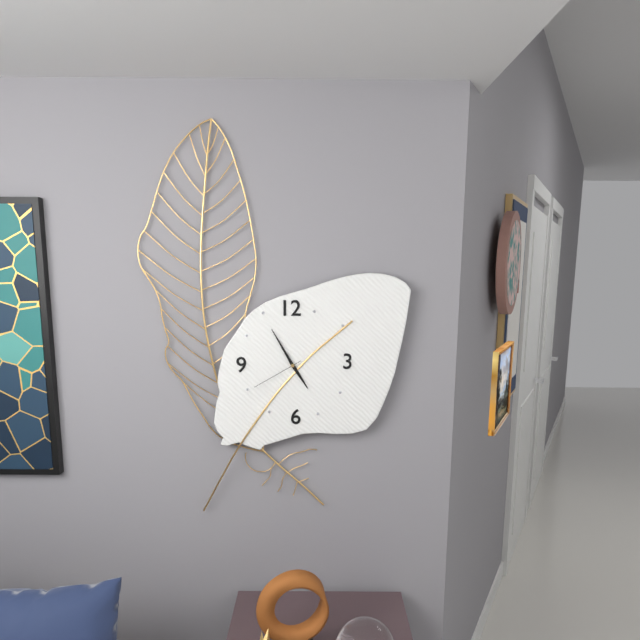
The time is h=4 m=55 s=40
